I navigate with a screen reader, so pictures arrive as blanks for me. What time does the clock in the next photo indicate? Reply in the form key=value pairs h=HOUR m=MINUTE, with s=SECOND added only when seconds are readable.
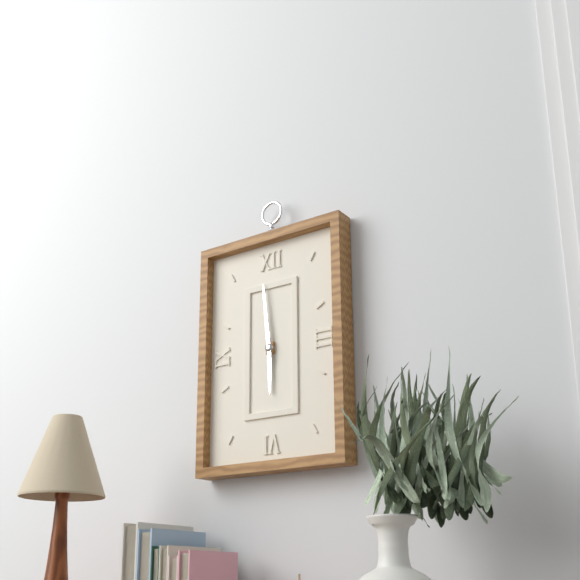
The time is h=5 m=59
